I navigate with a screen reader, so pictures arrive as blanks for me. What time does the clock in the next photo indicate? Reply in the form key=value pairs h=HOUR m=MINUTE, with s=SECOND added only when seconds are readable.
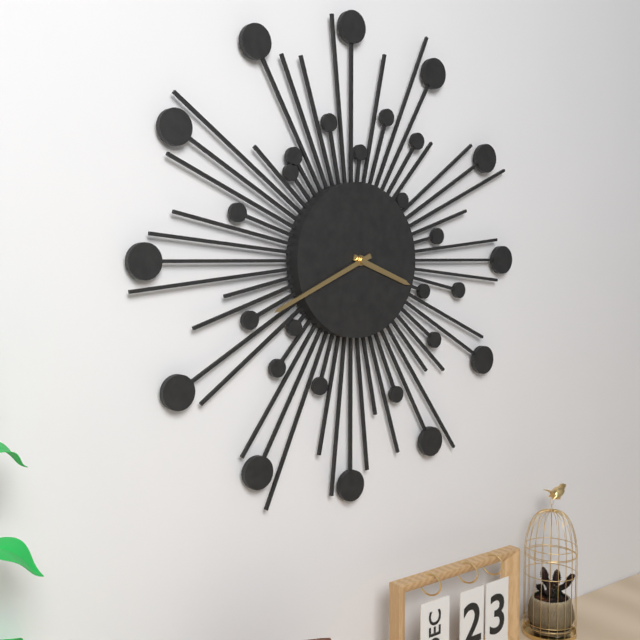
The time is h=3 m=41
